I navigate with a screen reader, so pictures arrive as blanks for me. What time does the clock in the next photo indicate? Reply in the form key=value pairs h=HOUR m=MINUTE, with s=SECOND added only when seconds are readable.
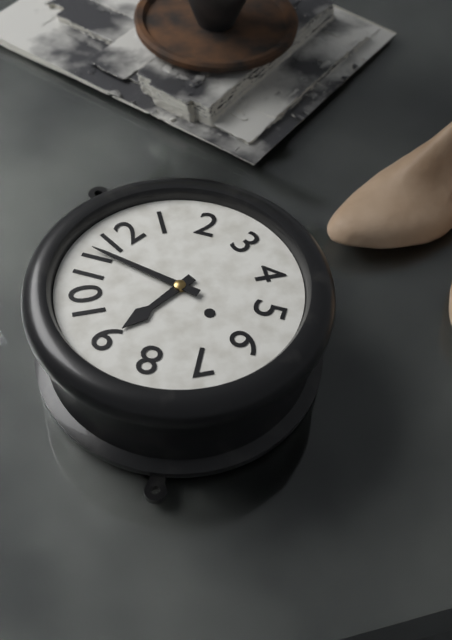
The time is h=8 m=57
